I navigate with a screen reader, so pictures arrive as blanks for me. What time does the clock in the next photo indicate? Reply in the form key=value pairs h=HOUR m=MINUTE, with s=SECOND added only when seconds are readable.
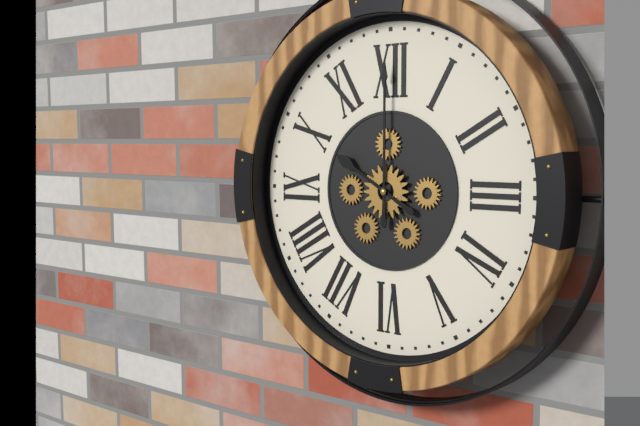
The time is h=10 m=0
